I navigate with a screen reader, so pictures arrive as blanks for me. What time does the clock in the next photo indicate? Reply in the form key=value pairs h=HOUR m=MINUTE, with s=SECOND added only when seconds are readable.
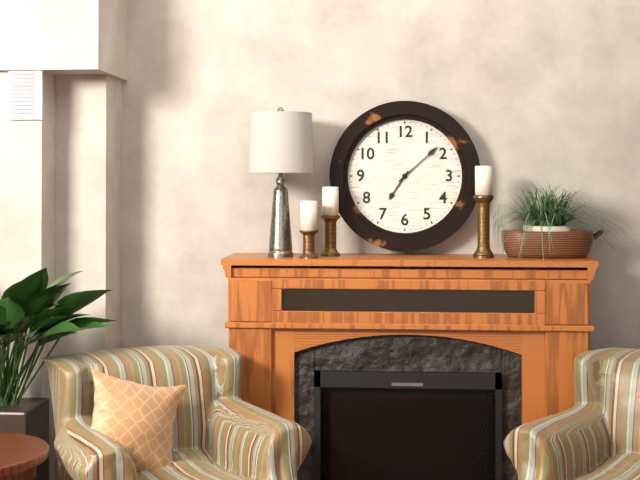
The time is h=7 m=8
